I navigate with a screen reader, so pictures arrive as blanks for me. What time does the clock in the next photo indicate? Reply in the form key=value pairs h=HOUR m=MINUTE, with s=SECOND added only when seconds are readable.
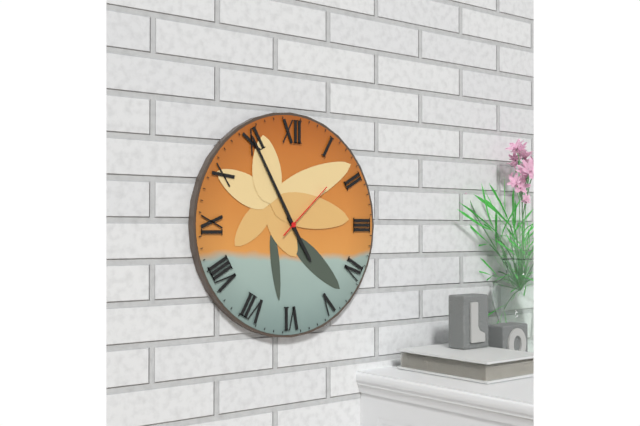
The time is h=4 m=55 s=8
